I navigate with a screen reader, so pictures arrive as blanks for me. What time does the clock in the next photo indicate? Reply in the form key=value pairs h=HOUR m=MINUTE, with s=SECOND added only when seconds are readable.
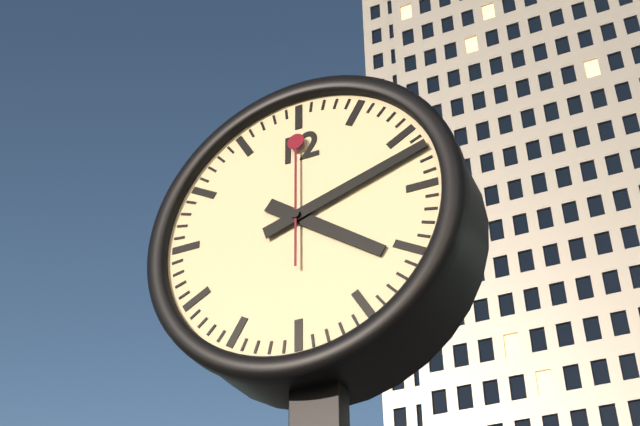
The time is h=4 m=12 s=0
